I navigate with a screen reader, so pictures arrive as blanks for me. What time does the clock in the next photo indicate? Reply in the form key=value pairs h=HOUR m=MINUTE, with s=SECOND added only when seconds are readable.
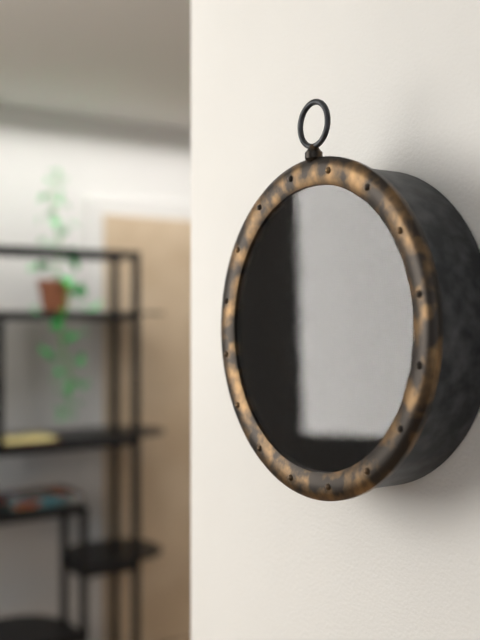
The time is h=4 m=35
